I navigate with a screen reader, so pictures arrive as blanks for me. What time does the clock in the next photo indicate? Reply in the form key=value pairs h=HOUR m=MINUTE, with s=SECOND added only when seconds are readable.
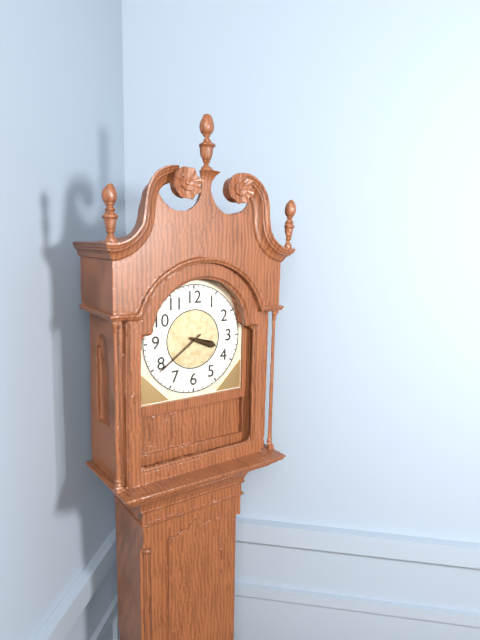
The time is h=3 m=39
